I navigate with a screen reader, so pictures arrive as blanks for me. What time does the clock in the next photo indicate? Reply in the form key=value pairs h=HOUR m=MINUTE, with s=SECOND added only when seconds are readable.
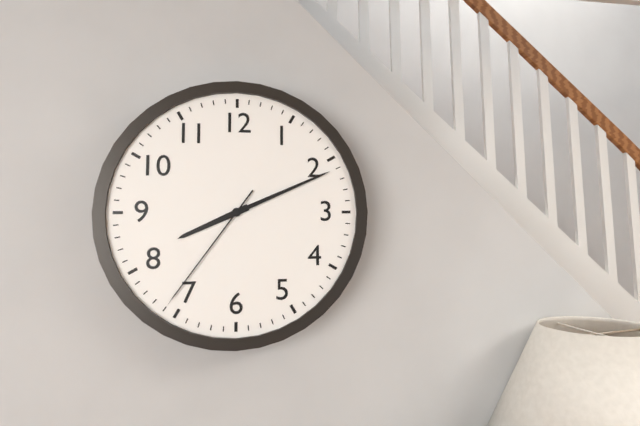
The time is h=8 m=11 s=36
